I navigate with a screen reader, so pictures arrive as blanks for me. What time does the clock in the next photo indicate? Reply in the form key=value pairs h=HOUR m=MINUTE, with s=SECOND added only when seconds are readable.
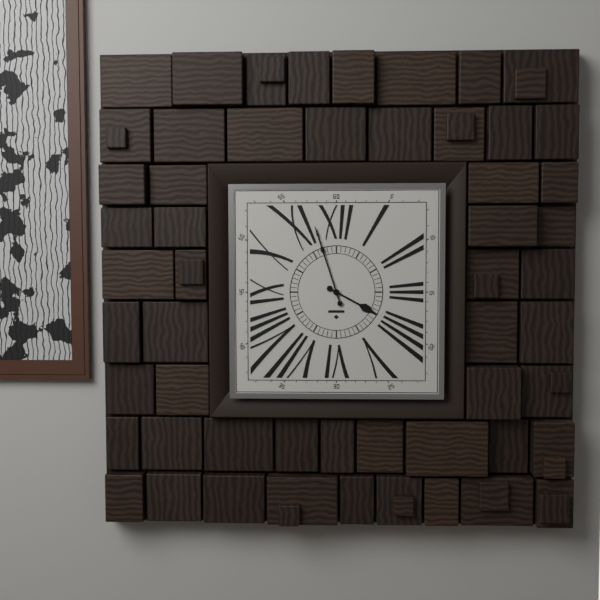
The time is h=3 m=57
